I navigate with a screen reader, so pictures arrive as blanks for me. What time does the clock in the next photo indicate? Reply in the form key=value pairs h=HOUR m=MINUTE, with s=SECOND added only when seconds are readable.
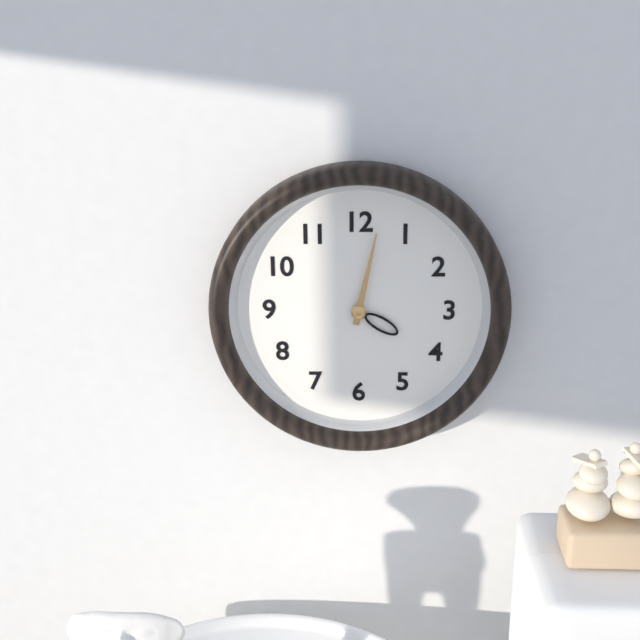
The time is h=4 m=2
